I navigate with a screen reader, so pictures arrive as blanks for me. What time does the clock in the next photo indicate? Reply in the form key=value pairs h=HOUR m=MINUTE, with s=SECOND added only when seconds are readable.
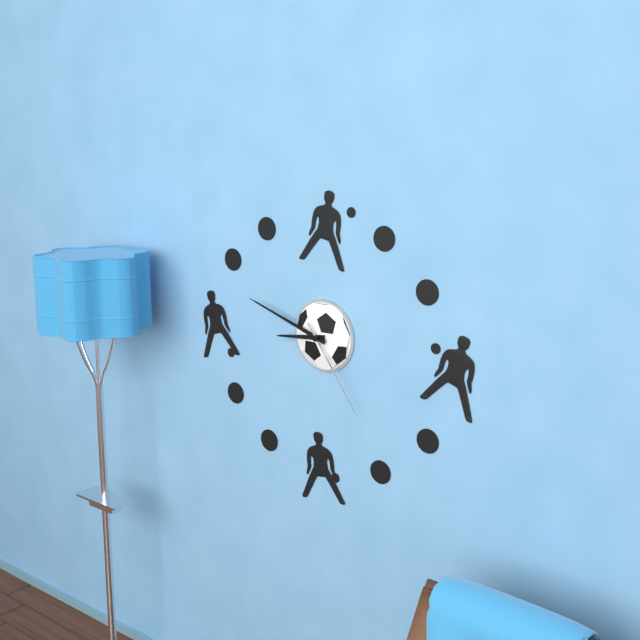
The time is h=8 m=48 s=24
